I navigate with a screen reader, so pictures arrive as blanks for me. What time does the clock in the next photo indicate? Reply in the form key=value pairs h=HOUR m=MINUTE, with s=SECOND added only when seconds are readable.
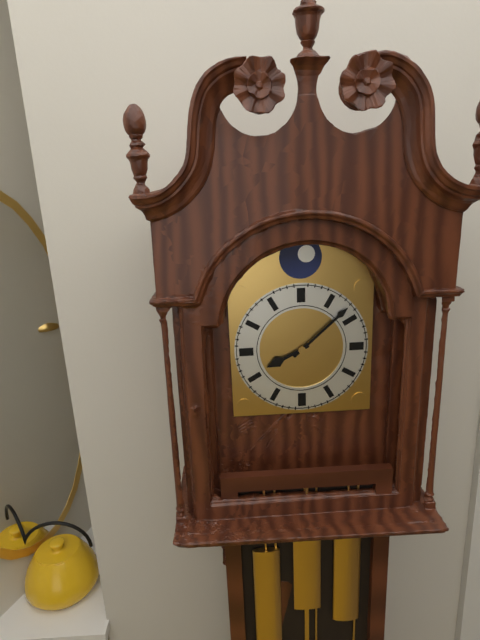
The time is h=8 m=8
